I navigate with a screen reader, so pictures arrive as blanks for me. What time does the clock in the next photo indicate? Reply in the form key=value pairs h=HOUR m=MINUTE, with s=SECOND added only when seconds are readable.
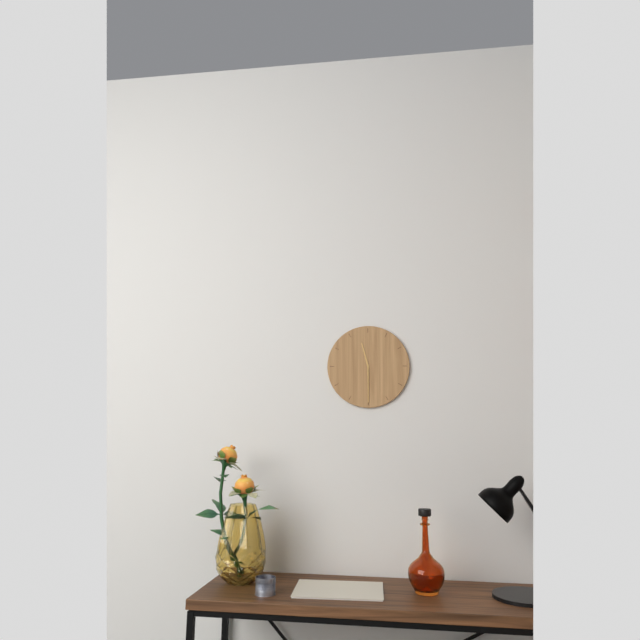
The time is h=11 m=30
